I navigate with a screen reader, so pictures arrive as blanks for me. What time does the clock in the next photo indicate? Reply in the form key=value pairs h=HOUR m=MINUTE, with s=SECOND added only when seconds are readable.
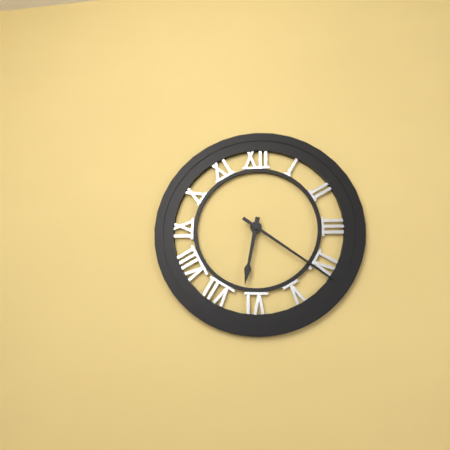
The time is h=6 m=21
